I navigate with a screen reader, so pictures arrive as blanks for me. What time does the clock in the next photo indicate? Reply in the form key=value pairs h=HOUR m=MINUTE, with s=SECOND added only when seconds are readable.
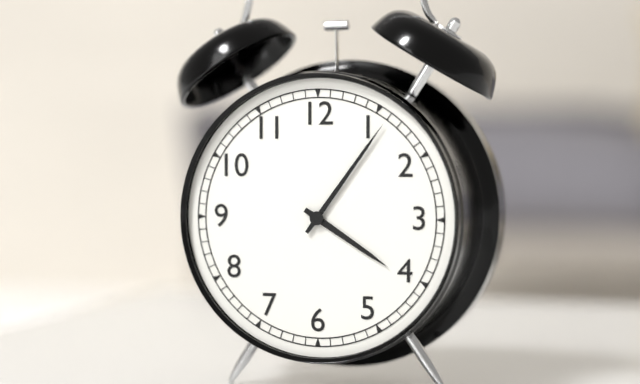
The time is h=4 m=6
